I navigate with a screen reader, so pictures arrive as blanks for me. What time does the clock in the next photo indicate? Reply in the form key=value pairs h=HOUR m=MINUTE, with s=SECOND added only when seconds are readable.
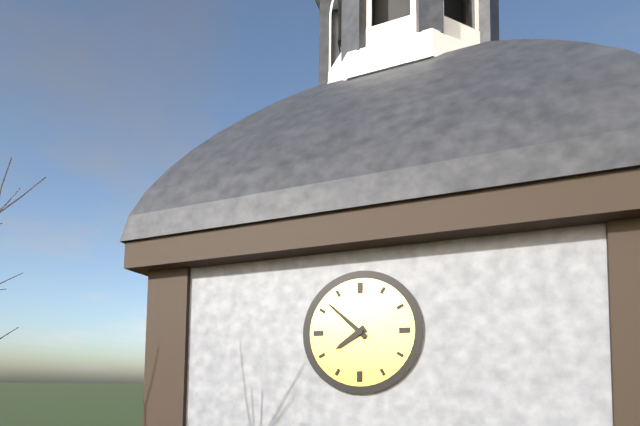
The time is h=7 m=52
